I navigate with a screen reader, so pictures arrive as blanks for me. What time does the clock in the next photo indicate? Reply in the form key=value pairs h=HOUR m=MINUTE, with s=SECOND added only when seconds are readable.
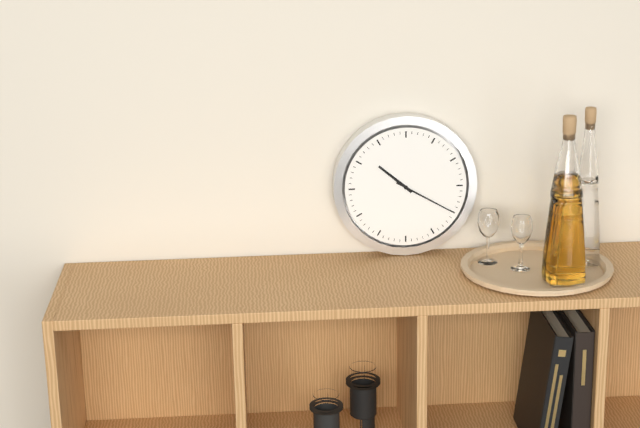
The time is h=10 m=20
